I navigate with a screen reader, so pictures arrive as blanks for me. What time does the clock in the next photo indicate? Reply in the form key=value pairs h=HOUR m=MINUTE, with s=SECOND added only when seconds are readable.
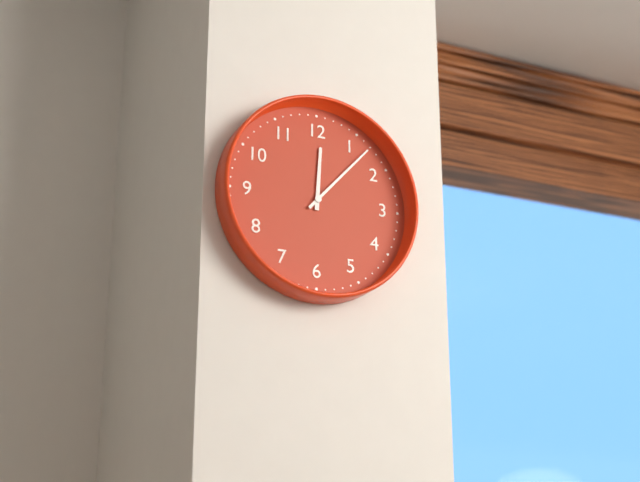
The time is h=12 m=7
